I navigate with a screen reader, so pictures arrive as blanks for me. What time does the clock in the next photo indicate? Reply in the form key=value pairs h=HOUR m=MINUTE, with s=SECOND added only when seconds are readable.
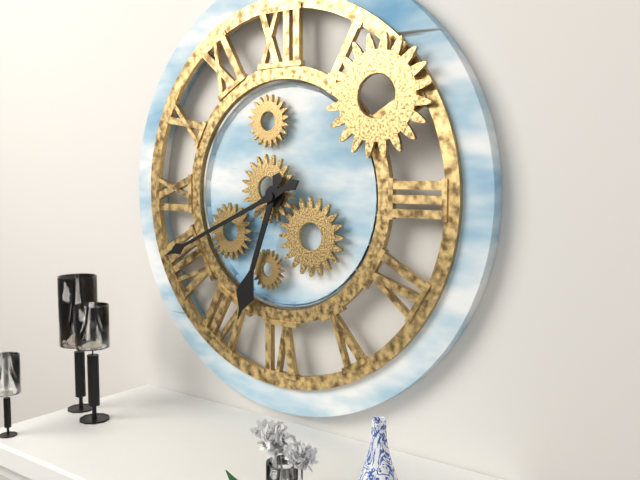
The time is h=6 m=41
